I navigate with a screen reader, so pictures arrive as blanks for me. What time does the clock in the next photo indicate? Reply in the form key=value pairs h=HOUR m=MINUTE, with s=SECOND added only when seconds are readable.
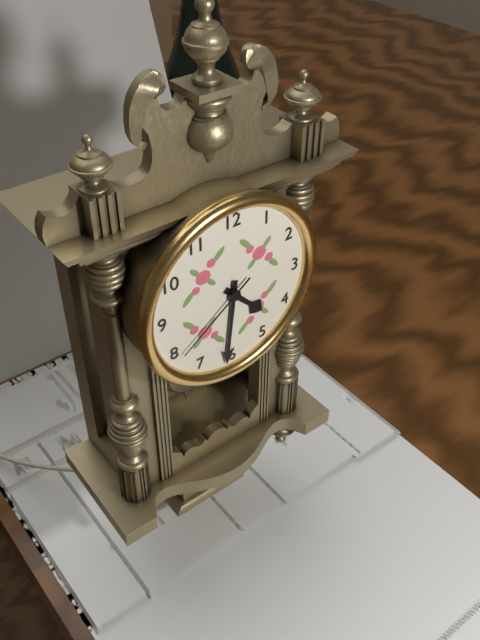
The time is h=4 m=31 s=39
